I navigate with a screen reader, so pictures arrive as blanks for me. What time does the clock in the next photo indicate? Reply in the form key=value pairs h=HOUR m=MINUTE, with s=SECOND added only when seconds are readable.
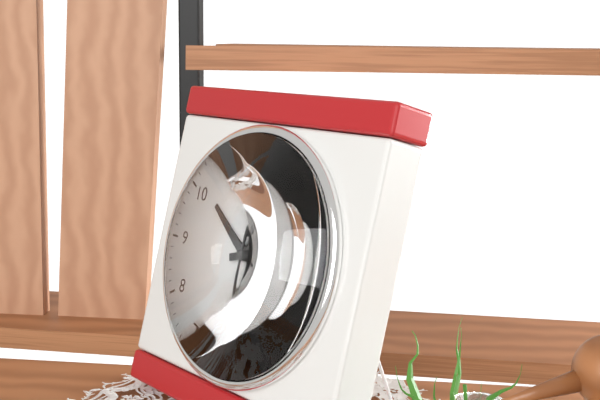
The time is h=10 m=12 s=30
